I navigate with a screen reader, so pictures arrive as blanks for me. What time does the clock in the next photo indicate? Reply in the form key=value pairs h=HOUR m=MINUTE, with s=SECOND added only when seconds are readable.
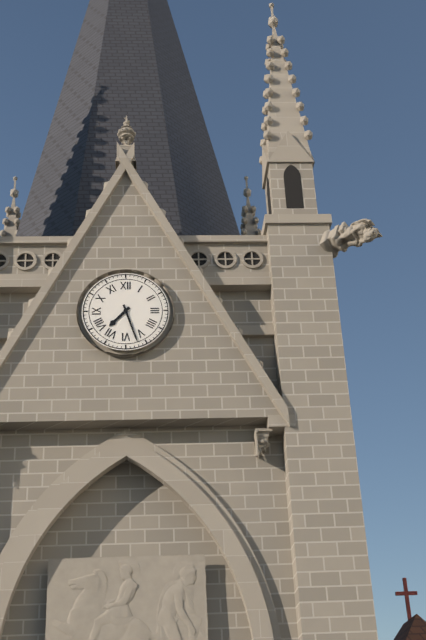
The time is h=7 m=27
